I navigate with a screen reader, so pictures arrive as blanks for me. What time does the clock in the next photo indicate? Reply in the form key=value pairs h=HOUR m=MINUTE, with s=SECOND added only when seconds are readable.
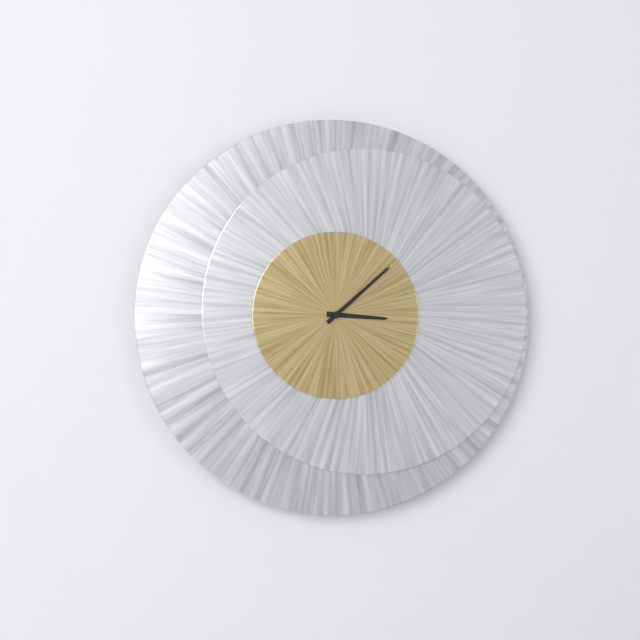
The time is h=3 m=8
